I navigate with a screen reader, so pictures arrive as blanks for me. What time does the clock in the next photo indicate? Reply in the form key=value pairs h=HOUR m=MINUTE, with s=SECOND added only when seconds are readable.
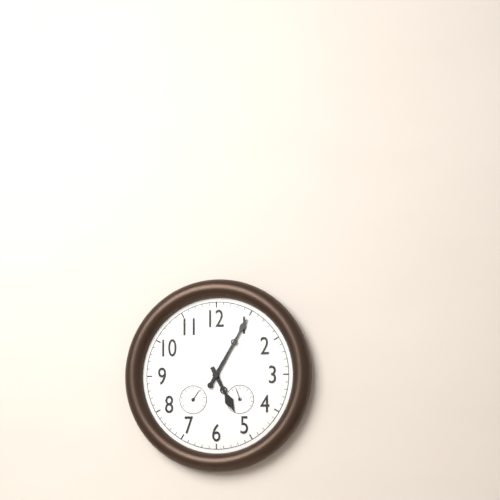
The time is h=5 m=5
